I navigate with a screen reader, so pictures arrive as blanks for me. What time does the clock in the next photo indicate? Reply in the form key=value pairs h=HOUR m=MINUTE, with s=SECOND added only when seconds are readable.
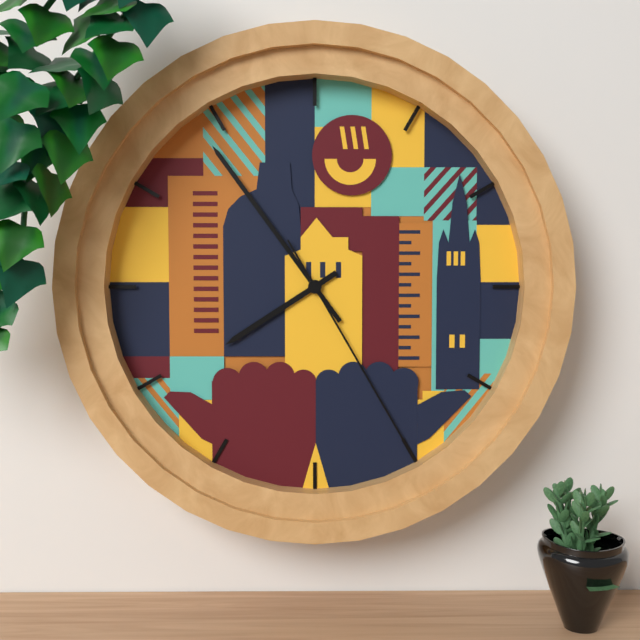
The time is h=7 m=54 s=25
